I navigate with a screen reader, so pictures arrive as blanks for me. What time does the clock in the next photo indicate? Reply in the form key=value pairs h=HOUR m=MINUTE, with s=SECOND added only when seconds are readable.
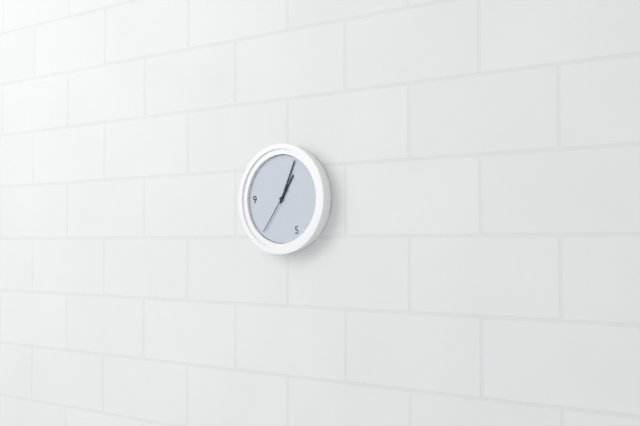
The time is h=1 m=4
